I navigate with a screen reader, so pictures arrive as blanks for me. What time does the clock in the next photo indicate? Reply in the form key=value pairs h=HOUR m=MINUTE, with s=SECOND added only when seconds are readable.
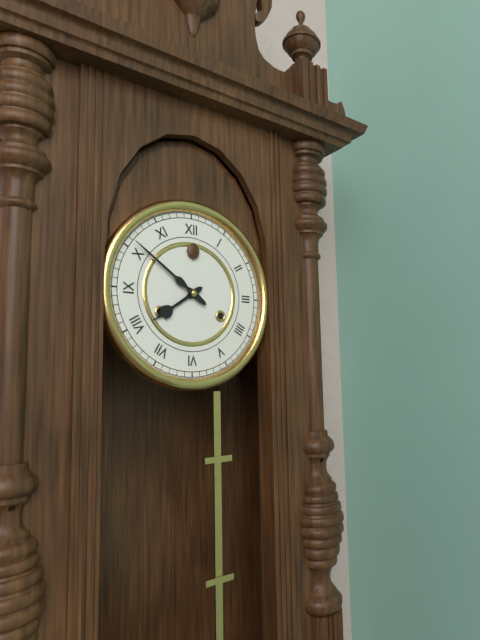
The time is h=7 m=51
